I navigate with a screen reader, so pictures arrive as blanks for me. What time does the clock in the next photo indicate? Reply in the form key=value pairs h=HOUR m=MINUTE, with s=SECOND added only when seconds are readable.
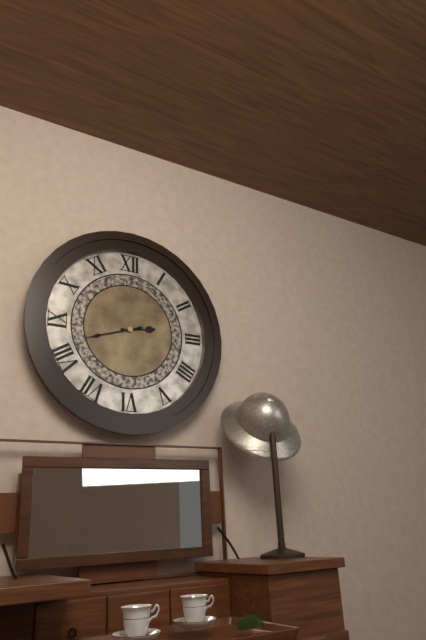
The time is h=2 m=42
